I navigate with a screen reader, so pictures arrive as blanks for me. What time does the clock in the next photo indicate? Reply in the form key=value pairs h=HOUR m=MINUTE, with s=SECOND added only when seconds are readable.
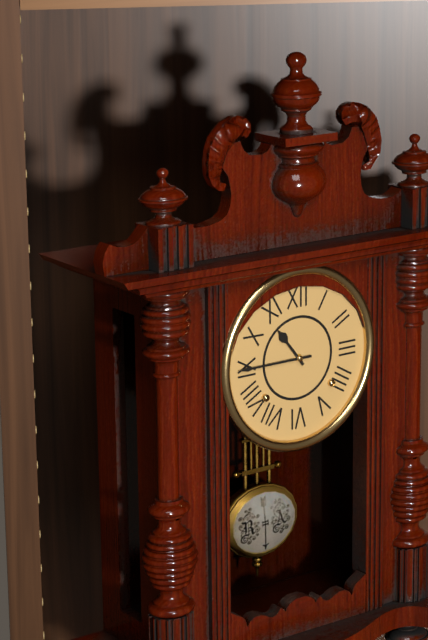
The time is h=10 m=45
